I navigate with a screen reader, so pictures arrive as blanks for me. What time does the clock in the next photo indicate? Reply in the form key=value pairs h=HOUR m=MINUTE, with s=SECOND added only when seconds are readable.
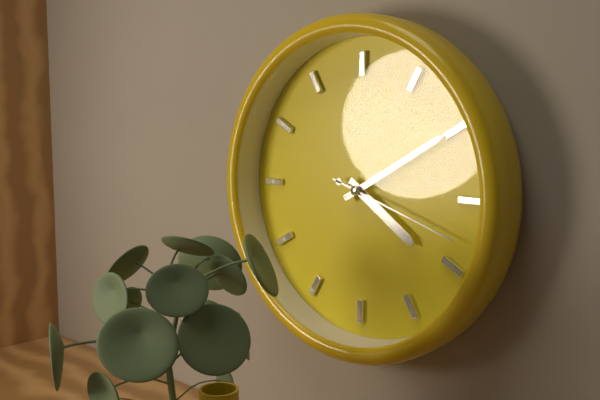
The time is h=4 m=10 s=18
